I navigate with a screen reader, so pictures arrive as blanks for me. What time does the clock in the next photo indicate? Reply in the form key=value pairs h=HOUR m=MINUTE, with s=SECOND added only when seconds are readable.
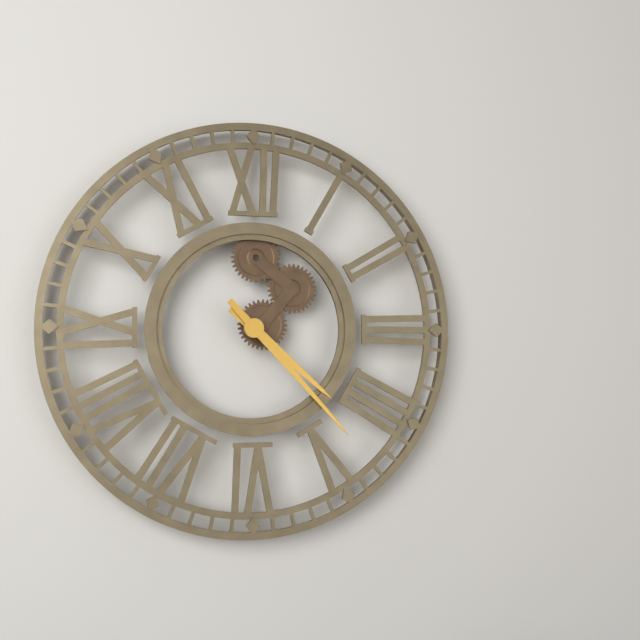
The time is h=4 m=23
